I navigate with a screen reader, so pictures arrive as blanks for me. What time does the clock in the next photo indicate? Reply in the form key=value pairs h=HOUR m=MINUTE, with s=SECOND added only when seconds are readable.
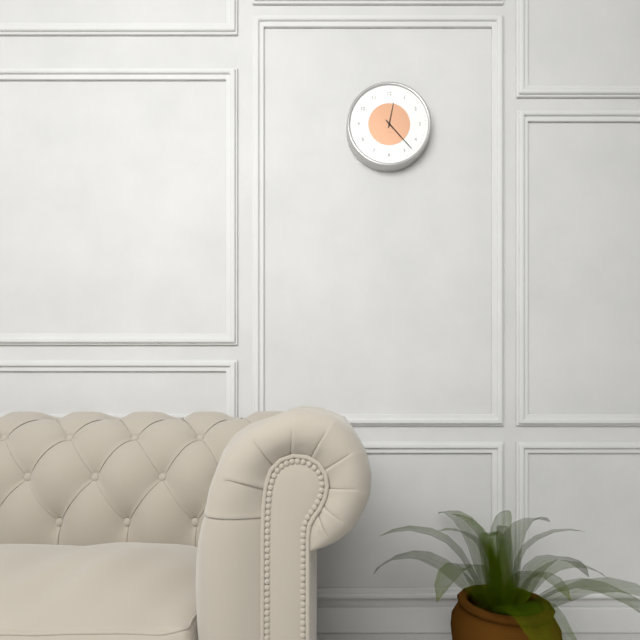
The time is h=12 m=23
